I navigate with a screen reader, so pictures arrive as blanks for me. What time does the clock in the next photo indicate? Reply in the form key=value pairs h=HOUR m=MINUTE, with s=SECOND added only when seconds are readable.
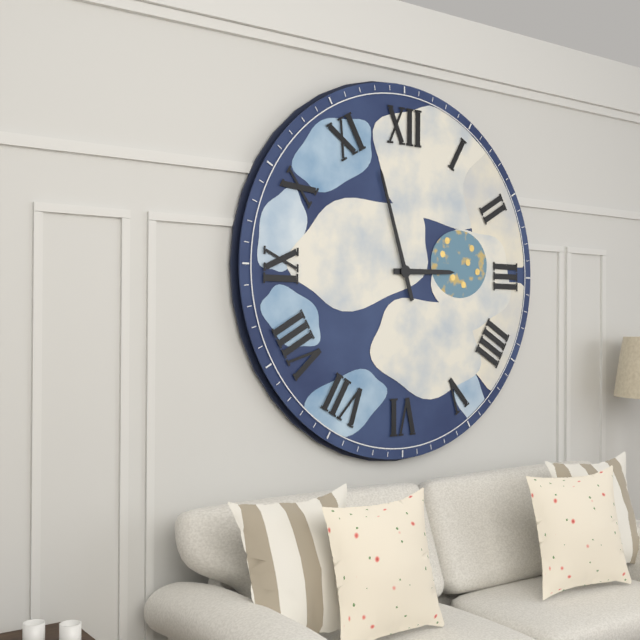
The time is h=2 m=57
